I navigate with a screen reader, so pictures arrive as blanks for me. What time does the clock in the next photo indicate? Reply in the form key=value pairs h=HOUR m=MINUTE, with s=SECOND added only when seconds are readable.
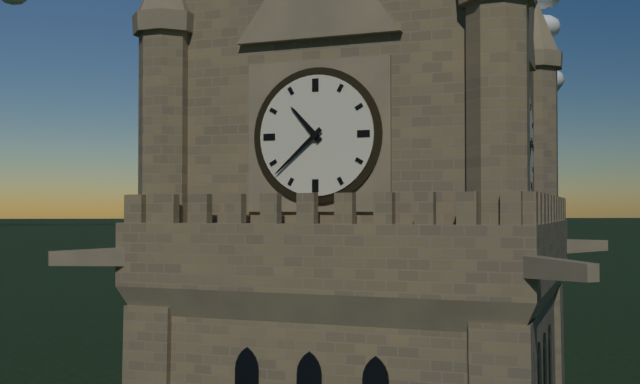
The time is h=10 m=38
